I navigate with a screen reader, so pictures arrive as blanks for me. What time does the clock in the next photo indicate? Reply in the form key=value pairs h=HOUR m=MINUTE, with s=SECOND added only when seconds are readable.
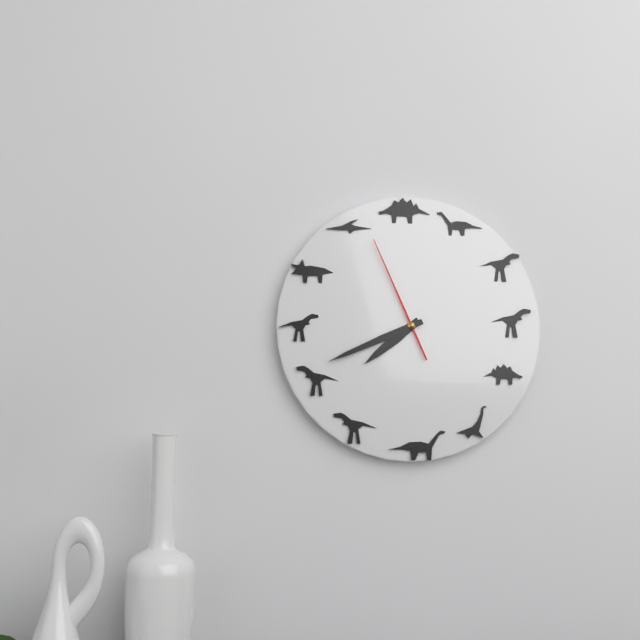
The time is h=7 m=41 s=56
